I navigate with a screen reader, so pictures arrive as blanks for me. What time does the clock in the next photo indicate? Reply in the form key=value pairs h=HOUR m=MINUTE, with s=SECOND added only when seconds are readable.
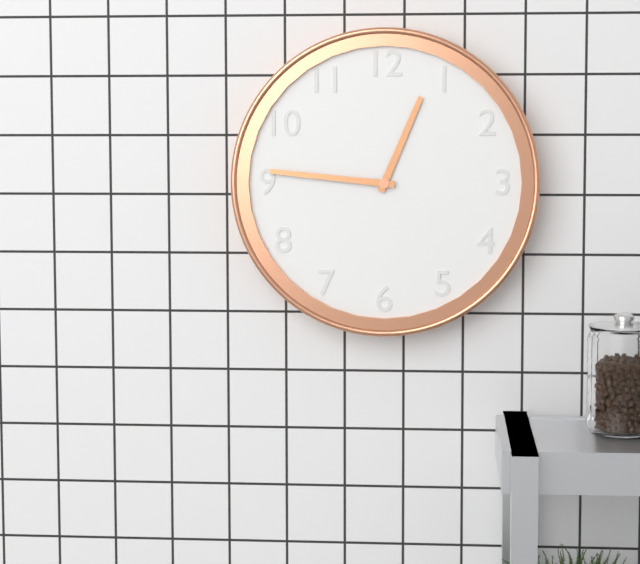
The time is h=12 m=46
